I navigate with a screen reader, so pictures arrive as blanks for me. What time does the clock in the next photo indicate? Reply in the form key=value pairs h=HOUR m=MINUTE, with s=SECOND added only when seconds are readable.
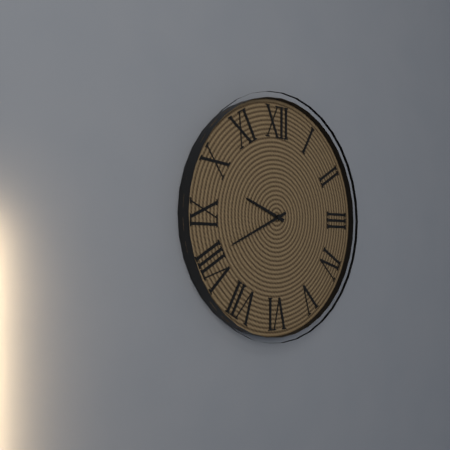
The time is h=9 m=41
